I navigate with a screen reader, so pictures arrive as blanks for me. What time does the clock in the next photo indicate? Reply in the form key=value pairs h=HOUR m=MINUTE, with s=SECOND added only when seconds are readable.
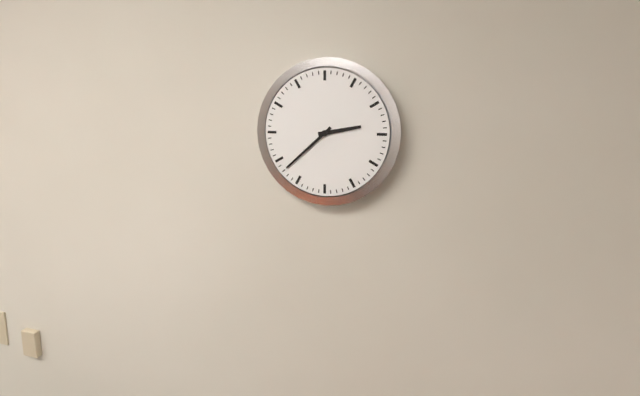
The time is h=2 m=38
